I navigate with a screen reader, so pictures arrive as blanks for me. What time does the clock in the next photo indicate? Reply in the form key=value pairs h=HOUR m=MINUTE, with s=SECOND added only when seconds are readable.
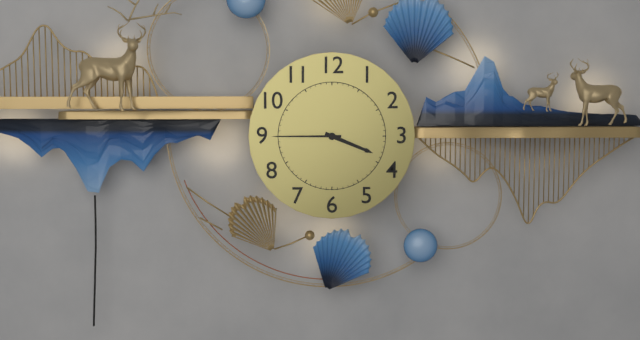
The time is h=3 m=45
